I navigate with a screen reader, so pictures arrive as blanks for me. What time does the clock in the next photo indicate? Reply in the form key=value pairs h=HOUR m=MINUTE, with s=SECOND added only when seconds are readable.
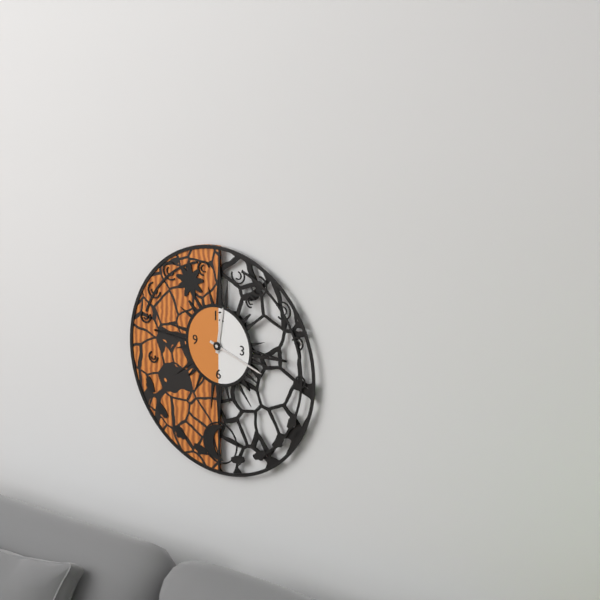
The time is h=12 m=18
